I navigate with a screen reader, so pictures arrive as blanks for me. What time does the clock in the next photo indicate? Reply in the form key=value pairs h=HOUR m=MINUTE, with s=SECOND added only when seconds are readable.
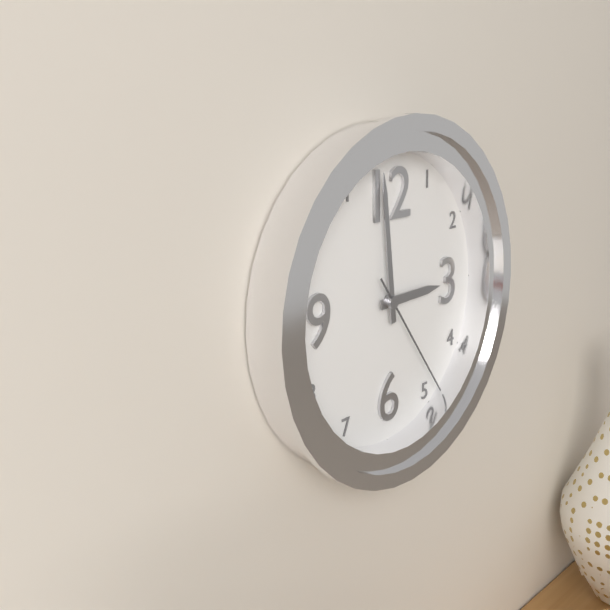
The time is h=2 m=59 s=24
